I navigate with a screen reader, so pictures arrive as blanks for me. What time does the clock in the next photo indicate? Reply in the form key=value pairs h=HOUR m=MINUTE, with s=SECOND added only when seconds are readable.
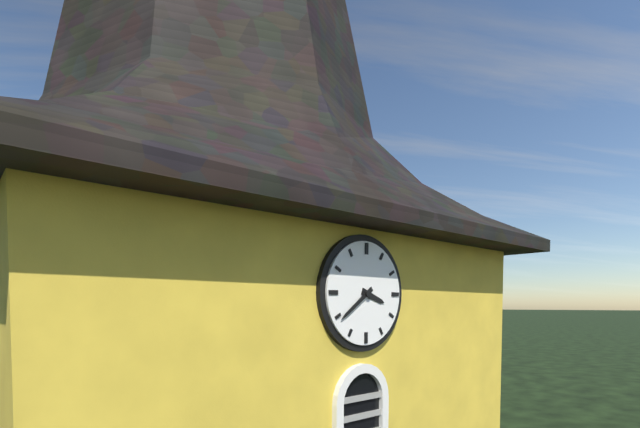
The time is h=3 m=39
